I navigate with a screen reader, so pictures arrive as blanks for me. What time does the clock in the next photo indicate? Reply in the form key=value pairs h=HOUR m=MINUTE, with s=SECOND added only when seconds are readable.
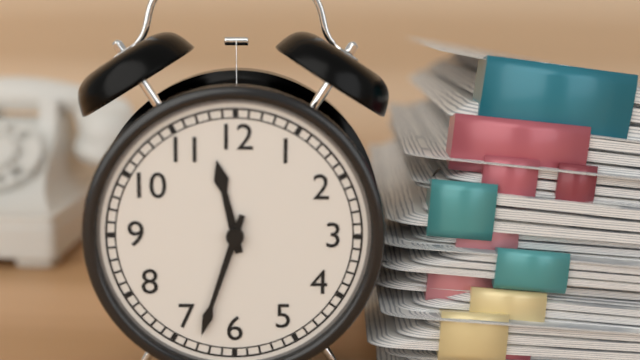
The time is h=11 m=33
